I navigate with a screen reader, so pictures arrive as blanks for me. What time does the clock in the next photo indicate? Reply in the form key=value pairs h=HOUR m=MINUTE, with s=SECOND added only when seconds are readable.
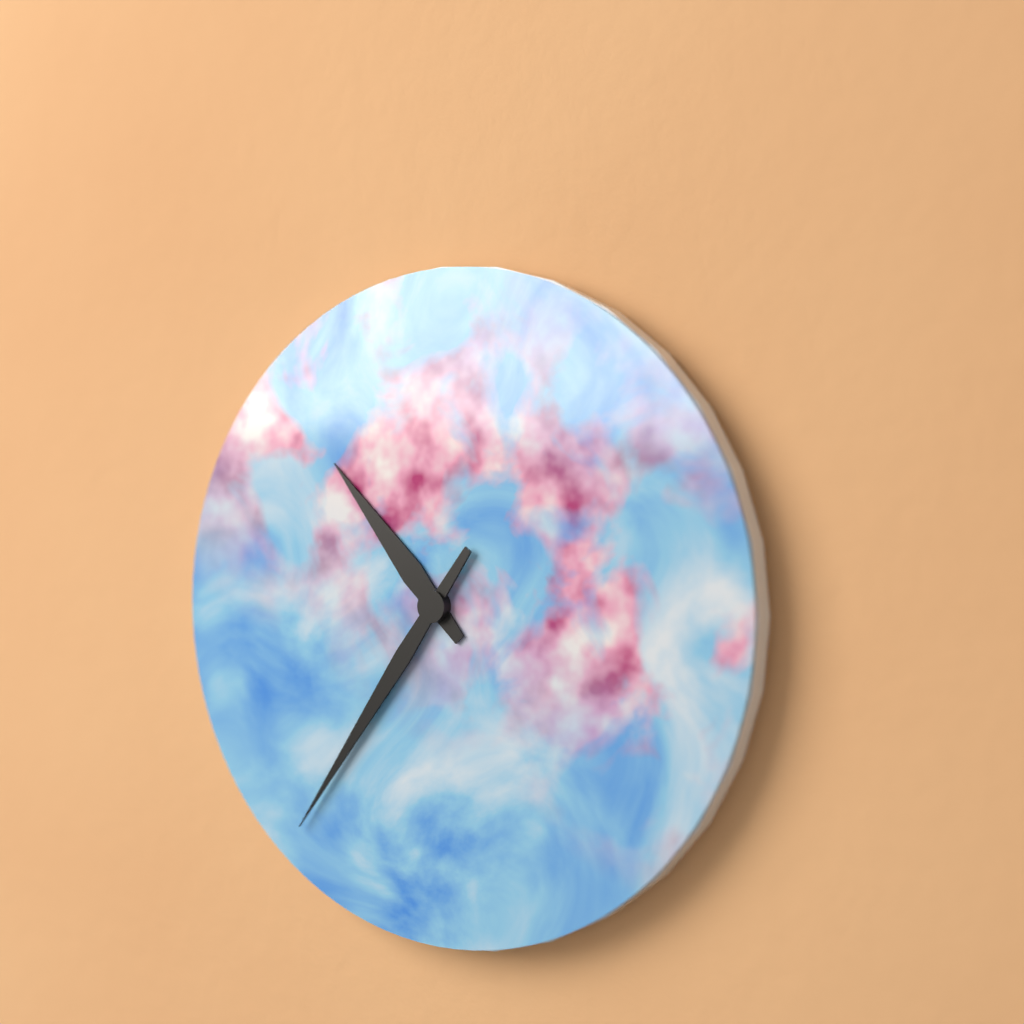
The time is h=10 m=36
